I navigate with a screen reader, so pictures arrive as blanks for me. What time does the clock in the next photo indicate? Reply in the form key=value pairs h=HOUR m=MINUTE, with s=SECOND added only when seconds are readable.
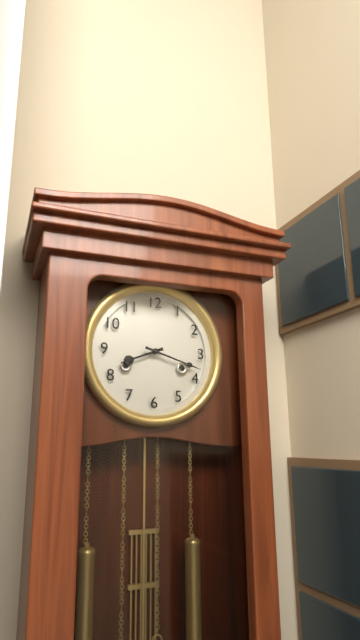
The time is h=8 m=18
